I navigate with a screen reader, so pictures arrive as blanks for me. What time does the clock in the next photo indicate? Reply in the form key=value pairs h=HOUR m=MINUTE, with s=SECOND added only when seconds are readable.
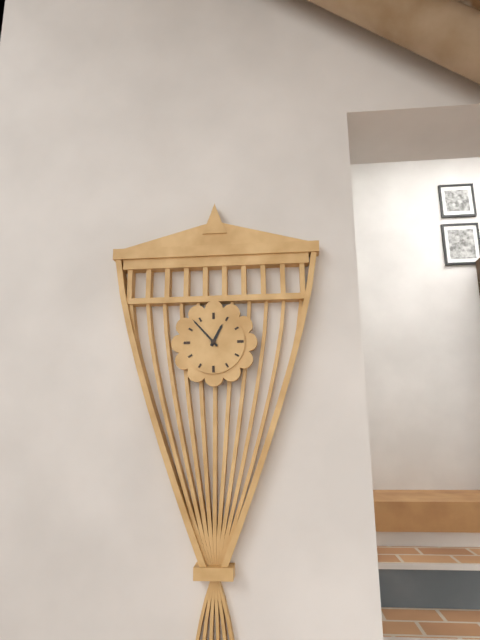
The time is h=12 m=53
